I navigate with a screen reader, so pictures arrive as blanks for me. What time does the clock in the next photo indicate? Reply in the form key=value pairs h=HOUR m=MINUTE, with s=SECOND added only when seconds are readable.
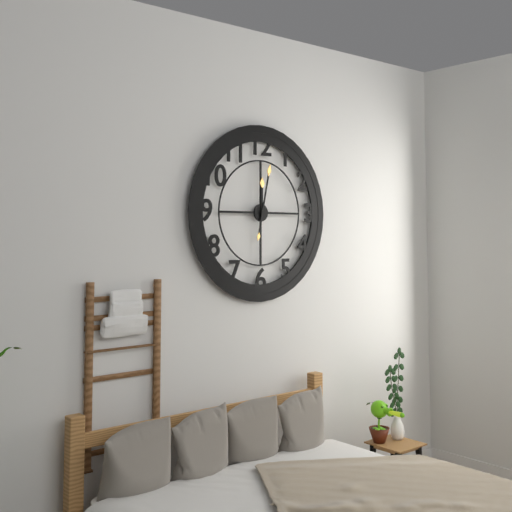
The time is h=12 m=2
